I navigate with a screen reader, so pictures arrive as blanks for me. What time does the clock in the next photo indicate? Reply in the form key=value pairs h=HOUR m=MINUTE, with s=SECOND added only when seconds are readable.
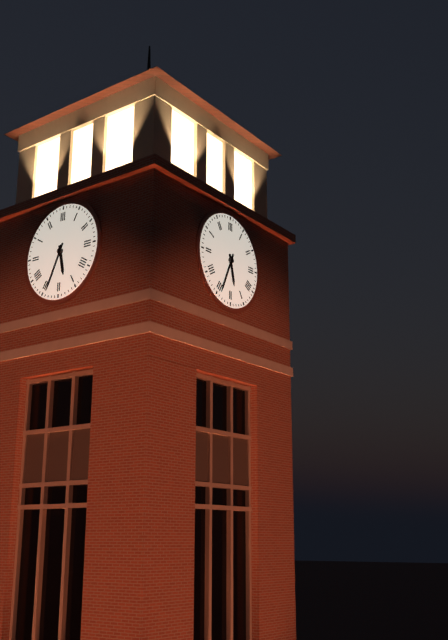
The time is h=5 m=34
